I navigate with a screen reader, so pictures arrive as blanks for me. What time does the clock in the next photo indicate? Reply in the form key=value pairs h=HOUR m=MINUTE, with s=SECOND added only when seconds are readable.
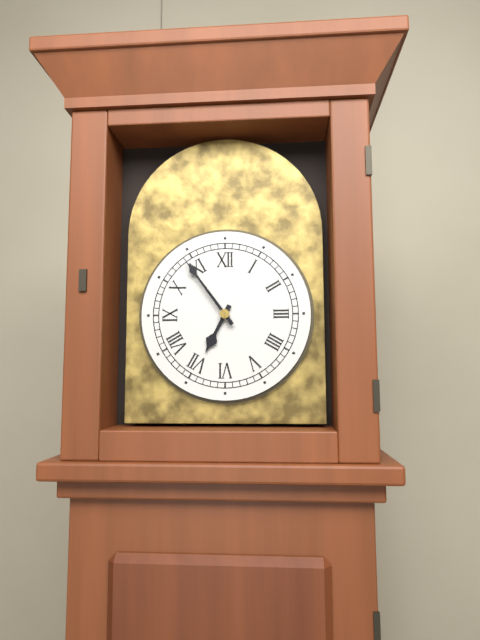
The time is h=6 m=54
